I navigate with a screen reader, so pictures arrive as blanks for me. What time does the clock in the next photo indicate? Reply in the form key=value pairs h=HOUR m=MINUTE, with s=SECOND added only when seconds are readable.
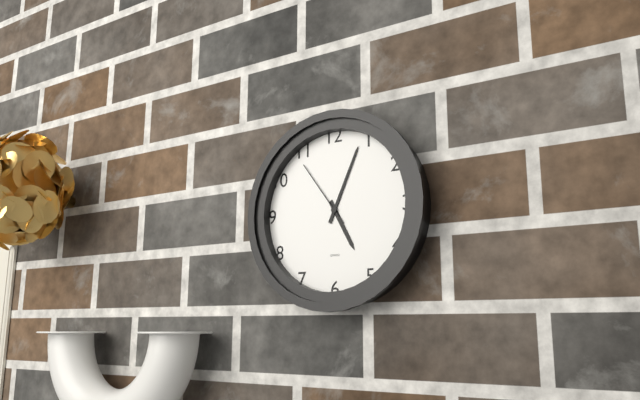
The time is h=5 m=4 s=54
